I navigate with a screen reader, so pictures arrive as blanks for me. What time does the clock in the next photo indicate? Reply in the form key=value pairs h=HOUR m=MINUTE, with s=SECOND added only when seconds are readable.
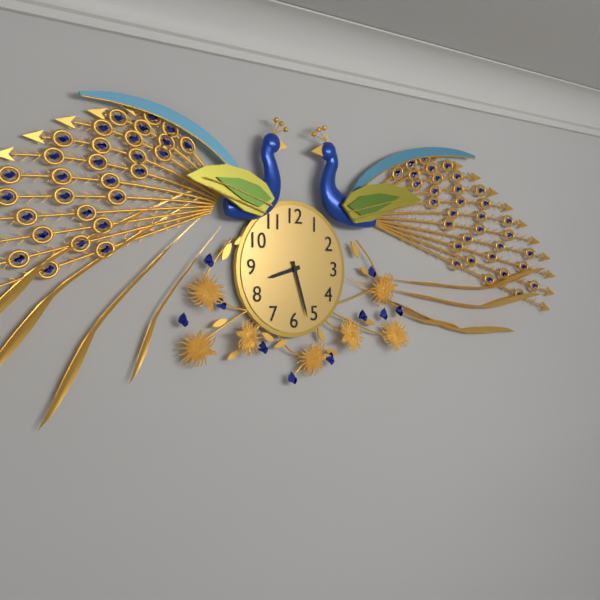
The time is h=8 m=27
